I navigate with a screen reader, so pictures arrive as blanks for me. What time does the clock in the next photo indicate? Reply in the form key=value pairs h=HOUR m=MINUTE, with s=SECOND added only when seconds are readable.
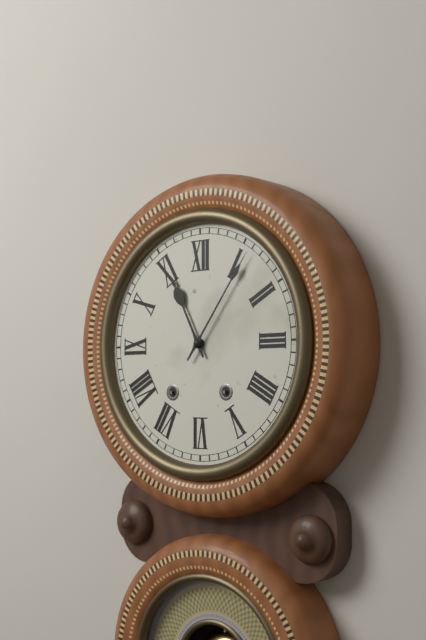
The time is h=11 m=6
